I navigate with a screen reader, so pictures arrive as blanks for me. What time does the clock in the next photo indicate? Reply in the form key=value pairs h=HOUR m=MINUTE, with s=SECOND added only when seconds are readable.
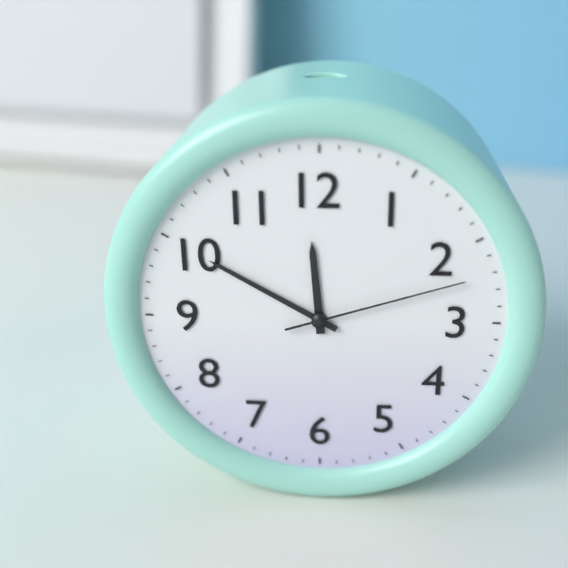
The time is h=11 m=50 s=12
